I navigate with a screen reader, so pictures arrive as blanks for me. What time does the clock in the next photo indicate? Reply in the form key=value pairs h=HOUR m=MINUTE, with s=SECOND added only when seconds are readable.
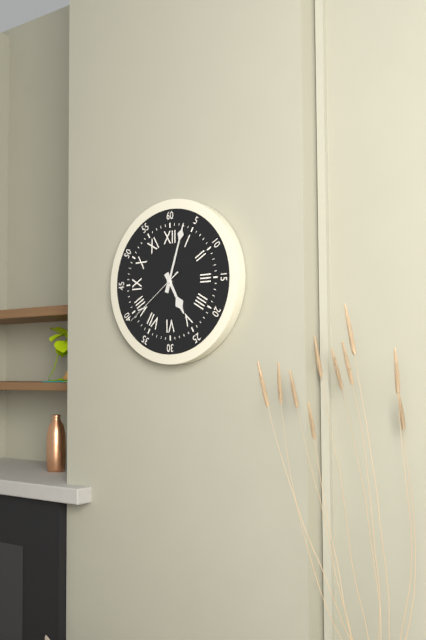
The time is h=5 m=3 s=39
